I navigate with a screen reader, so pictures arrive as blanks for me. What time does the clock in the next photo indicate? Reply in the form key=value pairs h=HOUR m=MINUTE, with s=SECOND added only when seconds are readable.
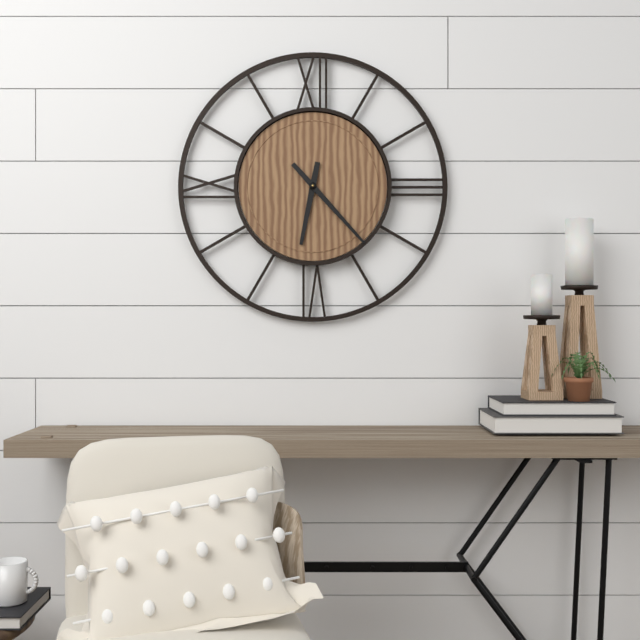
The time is h=6 m=23
